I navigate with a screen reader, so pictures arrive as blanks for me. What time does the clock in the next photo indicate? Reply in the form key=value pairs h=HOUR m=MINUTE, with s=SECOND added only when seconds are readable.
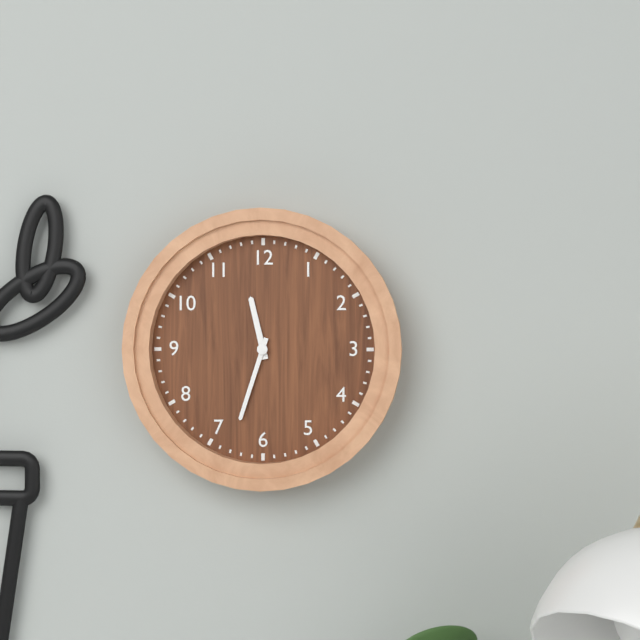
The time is h=11 m=33
